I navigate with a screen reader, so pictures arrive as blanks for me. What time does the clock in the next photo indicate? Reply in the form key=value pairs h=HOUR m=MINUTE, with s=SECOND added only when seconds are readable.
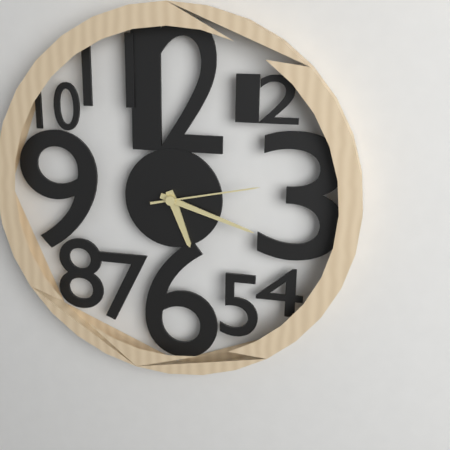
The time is h=5 m=18 s=13
